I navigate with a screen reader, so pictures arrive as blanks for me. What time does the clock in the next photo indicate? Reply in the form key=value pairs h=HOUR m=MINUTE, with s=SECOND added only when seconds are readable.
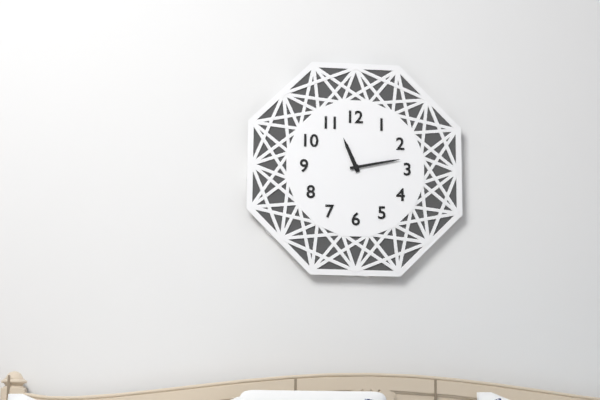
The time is h=11 m=13
